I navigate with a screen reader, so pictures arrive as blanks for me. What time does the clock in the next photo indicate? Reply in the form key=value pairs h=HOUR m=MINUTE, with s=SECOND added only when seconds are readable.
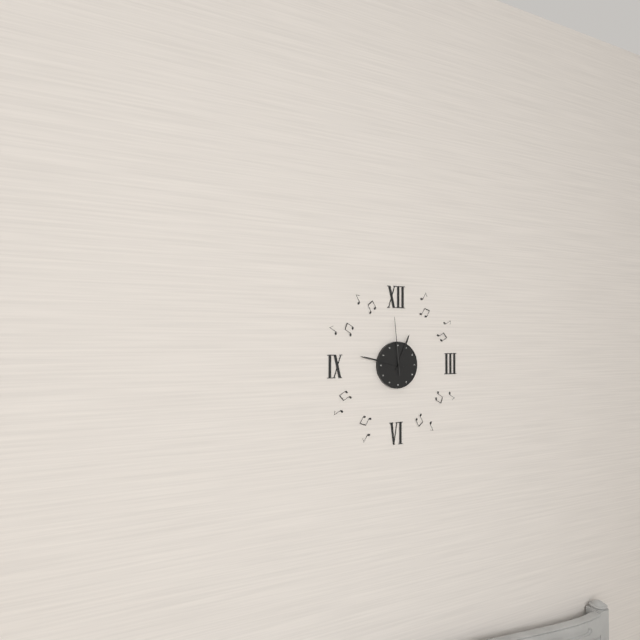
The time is h=12 m=47 s=59
